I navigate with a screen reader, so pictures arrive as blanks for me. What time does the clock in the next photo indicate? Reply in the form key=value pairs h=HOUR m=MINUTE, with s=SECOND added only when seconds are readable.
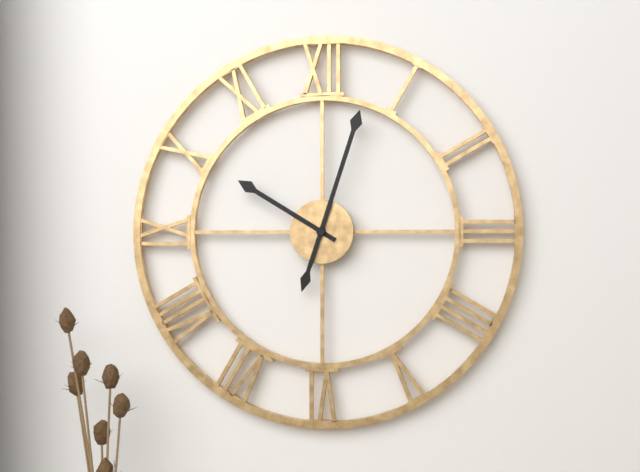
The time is h=10 m=3
